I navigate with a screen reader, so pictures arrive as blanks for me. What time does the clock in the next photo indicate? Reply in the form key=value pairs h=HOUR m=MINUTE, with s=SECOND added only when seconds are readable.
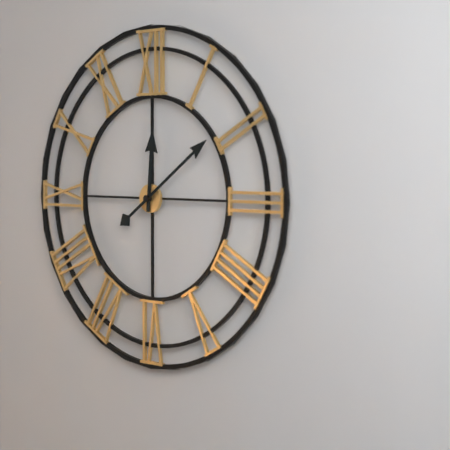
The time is h=12 m=9
